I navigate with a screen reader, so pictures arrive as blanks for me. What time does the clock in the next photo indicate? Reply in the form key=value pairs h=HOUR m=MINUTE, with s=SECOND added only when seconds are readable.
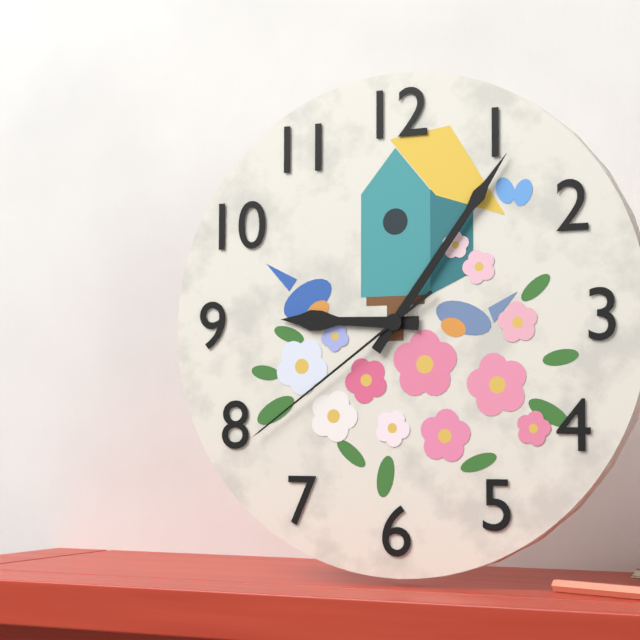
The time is h=9 m=6 s=39
